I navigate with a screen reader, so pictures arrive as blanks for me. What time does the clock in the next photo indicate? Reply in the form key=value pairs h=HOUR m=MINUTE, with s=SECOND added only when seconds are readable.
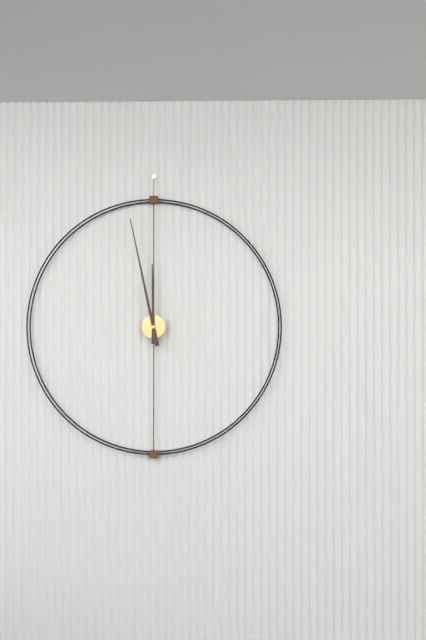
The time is h=11 m=58
